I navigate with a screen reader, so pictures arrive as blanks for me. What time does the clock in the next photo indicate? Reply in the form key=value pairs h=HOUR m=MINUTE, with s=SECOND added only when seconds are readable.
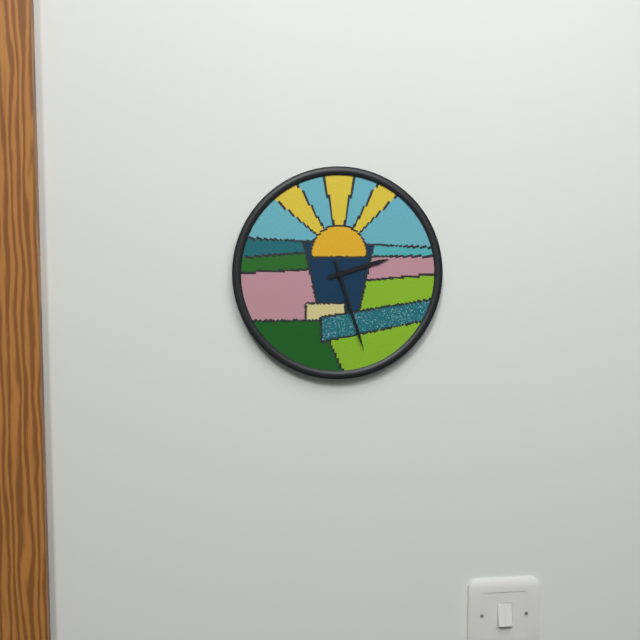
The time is h=2 m=27
